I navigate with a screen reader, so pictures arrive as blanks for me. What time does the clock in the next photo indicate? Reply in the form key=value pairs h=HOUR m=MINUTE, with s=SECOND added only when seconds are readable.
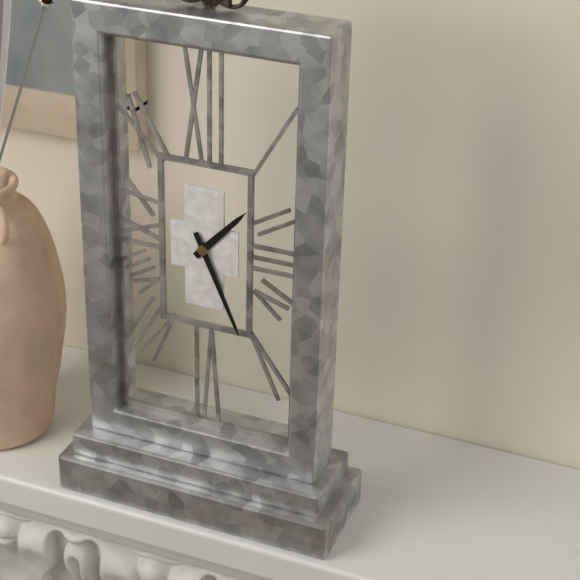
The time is h=1 m=26
